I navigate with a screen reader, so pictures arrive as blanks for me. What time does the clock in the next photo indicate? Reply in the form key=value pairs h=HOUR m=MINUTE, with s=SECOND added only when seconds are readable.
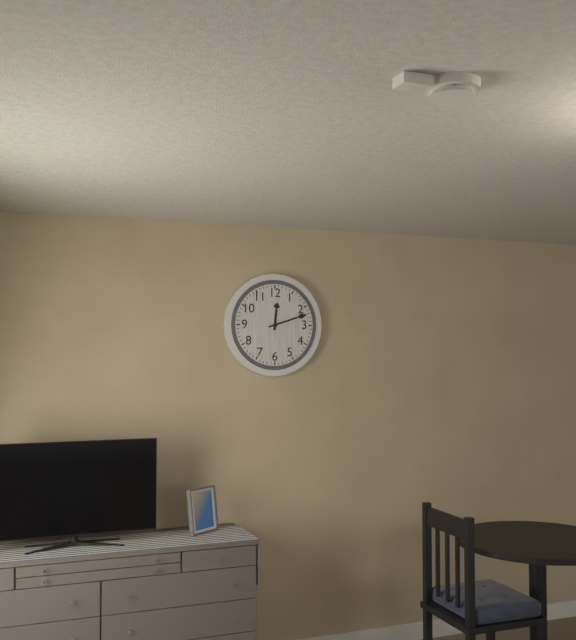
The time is h=12 m=12
